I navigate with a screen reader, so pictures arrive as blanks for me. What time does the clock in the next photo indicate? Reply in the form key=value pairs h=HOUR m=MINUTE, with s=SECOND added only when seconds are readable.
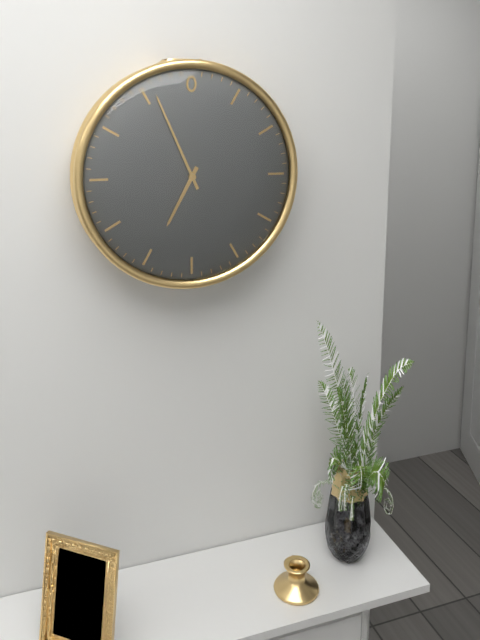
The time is h=6 m=56
